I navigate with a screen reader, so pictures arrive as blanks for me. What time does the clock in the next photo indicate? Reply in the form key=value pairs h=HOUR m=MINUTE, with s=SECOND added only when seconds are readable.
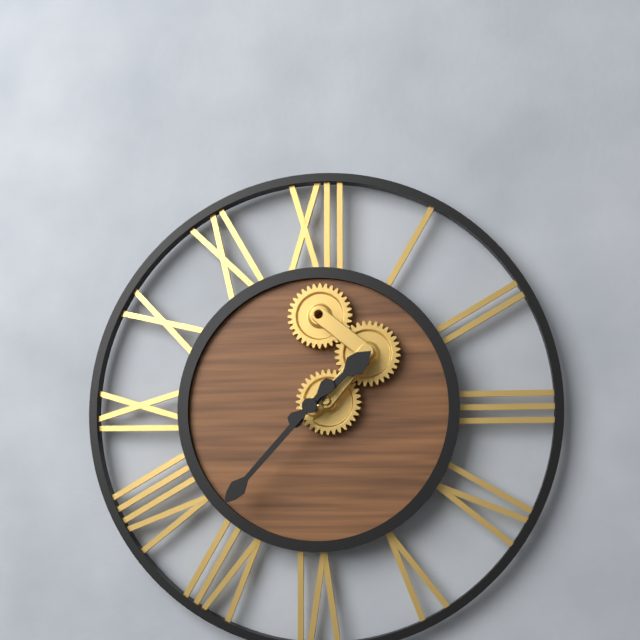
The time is h=1 m=37
